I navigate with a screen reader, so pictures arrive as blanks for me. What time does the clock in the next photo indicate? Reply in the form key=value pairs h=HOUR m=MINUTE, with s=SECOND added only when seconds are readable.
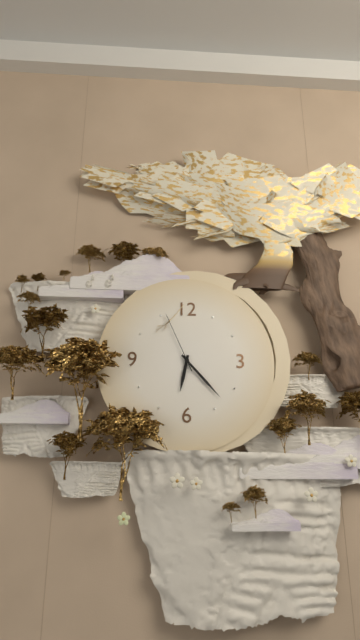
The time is h=6 m=23 s=56
